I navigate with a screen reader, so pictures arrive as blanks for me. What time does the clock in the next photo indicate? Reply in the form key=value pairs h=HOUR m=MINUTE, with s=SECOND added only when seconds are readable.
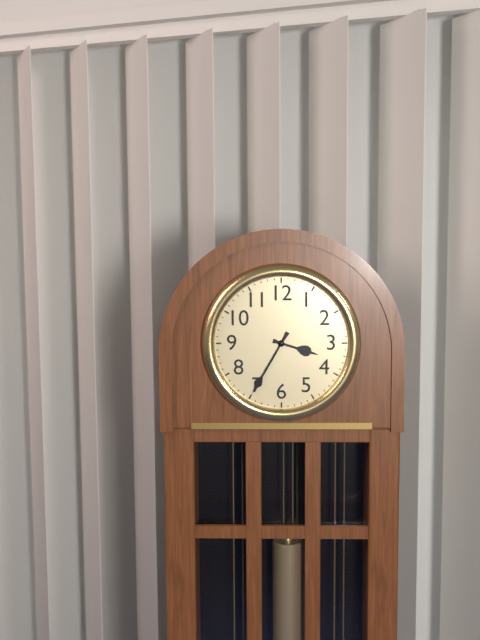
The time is h=3 m=35
